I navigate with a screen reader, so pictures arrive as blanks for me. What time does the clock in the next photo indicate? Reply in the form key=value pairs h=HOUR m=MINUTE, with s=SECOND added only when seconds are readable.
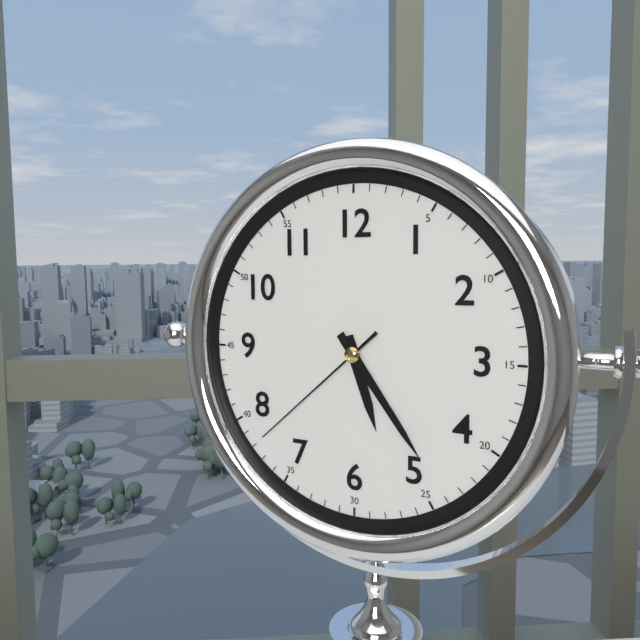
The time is h=5 m=24 s=38
